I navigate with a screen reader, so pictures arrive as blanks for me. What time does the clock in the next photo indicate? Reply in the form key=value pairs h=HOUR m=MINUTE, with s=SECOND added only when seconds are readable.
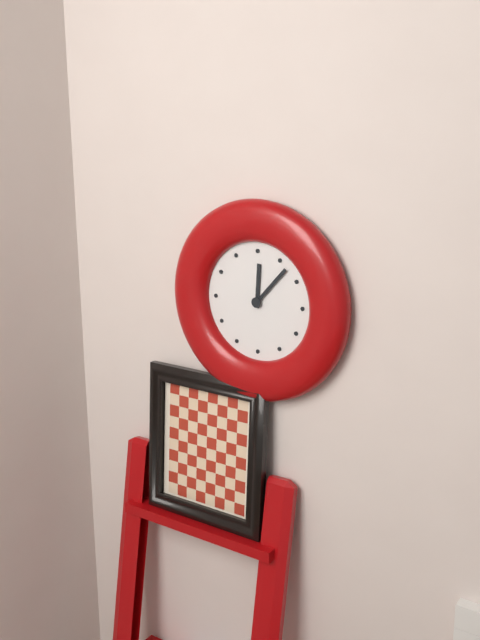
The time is h=12 m=7
